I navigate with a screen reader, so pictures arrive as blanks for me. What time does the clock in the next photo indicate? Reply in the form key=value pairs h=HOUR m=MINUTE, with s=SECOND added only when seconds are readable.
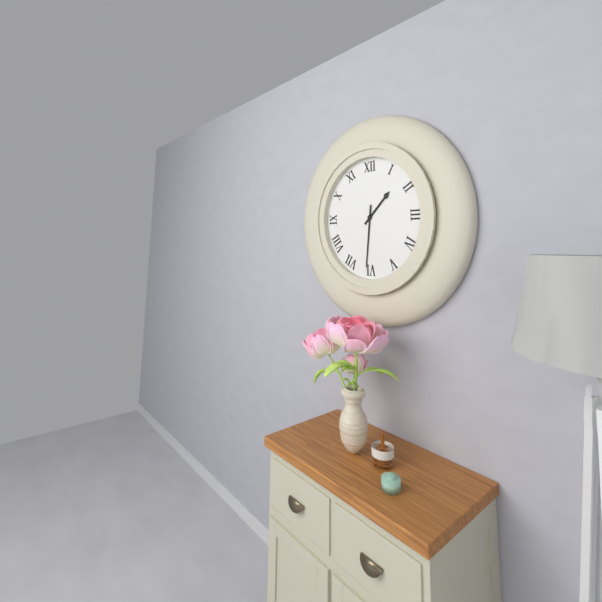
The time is h=1 m=31
